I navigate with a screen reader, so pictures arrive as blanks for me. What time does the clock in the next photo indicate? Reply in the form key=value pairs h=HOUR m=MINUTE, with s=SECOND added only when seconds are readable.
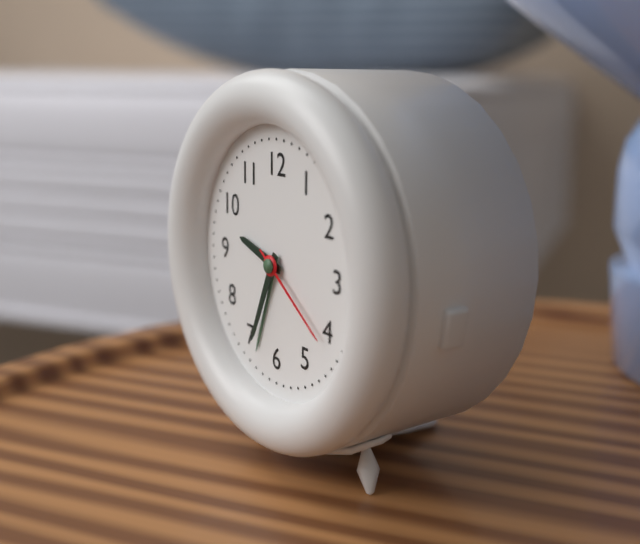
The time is h=9 m=34 s=21
